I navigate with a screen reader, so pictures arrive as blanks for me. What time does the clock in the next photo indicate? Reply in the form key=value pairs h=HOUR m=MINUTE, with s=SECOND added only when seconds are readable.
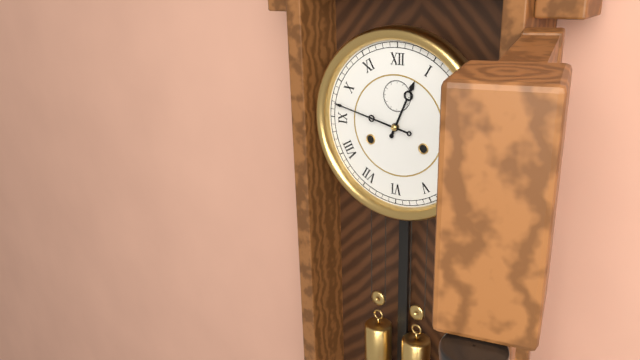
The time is h=12 m=47
